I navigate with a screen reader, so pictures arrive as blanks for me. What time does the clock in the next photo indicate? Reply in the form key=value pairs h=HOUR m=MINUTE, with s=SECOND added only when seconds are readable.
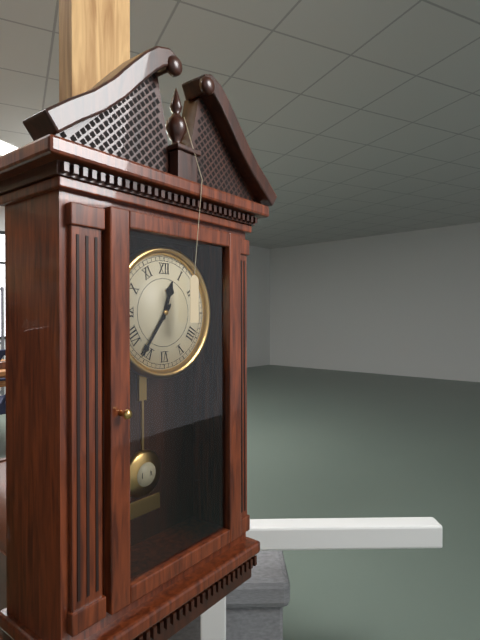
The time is h=12 m=36
